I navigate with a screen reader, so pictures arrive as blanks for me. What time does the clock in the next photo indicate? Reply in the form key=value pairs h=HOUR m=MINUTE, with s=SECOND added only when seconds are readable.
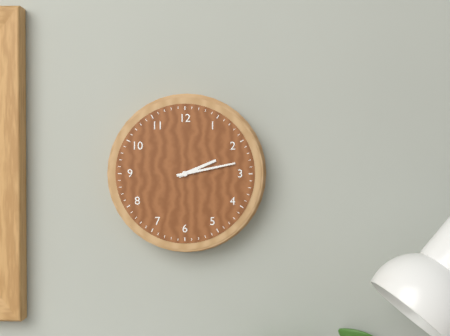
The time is h=2 m=13
